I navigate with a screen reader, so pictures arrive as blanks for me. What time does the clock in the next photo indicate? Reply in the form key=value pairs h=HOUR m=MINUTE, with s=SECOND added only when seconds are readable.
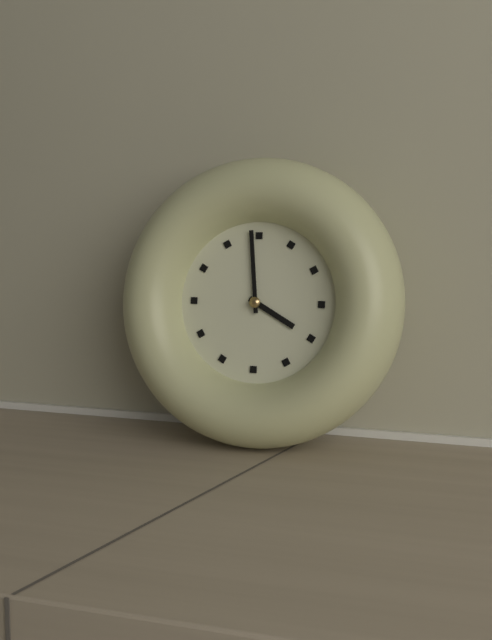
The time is h=3 m=59
